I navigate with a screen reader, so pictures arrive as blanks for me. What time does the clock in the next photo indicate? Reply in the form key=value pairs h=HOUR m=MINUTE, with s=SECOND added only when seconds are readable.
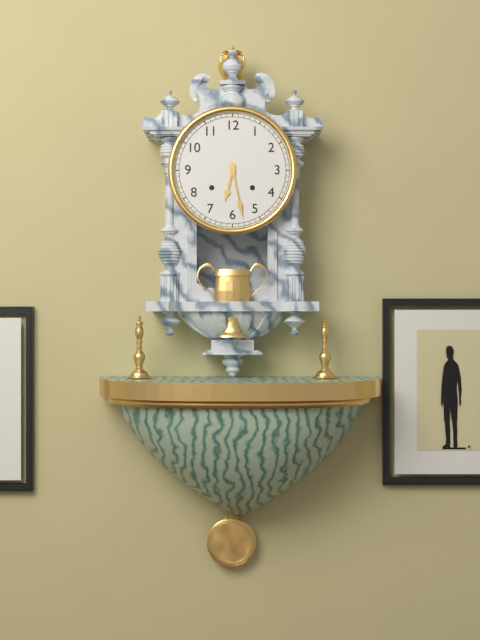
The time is h=6 m=28
